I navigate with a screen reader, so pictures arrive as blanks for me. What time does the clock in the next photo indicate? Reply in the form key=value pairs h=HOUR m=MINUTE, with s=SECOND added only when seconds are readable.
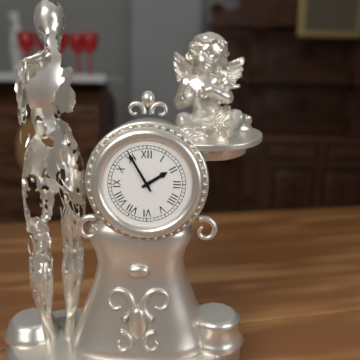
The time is h=1 m=55
